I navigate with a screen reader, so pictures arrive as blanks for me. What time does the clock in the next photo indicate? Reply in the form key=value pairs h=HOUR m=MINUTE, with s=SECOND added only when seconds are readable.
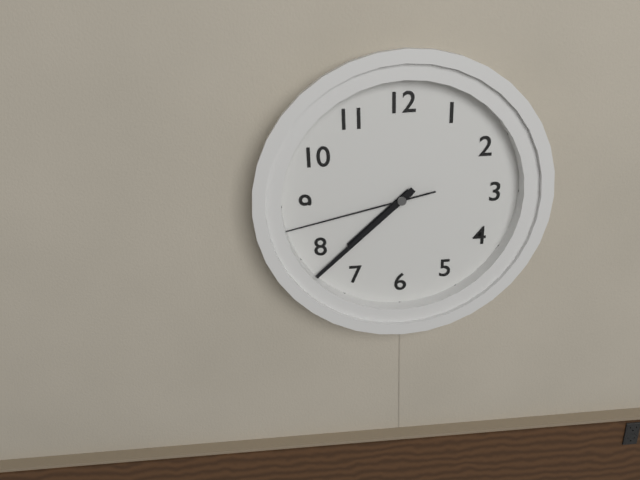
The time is h=7 m=38 s=43
